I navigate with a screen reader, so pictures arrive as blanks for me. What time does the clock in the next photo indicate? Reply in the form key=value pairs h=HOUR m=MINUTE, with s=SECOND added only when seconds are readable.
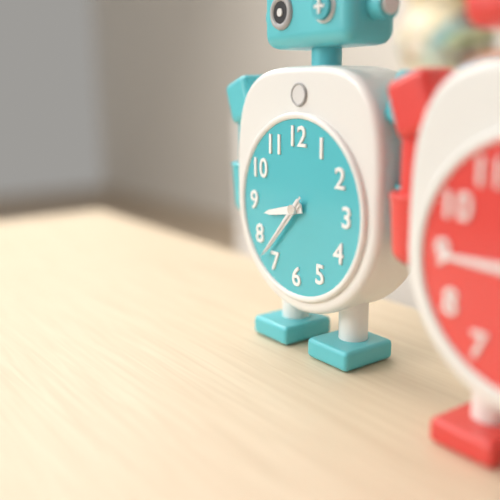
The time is h=8 m=37 s=37
